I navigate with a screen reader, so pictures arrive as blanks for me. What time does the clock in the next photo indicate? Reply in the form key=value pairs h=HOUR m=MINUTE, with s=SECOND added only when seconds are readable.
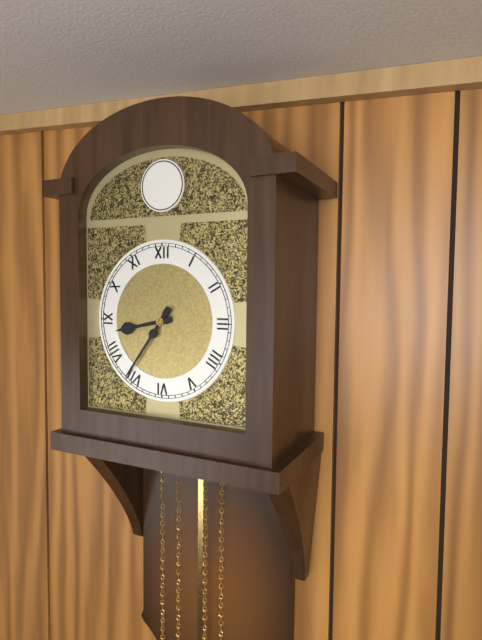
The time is h=8 m=36
